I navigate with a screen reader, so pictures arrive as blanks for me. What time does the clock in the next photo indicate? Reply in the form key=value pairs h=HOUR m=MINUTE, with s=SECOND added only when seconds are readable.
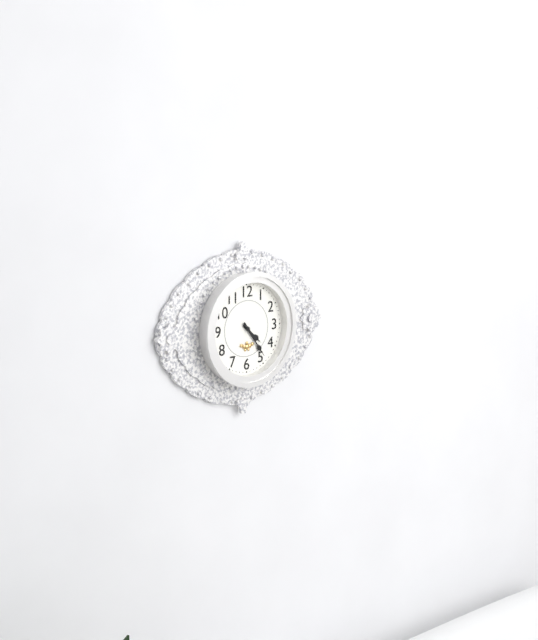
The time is h=4 m=24
